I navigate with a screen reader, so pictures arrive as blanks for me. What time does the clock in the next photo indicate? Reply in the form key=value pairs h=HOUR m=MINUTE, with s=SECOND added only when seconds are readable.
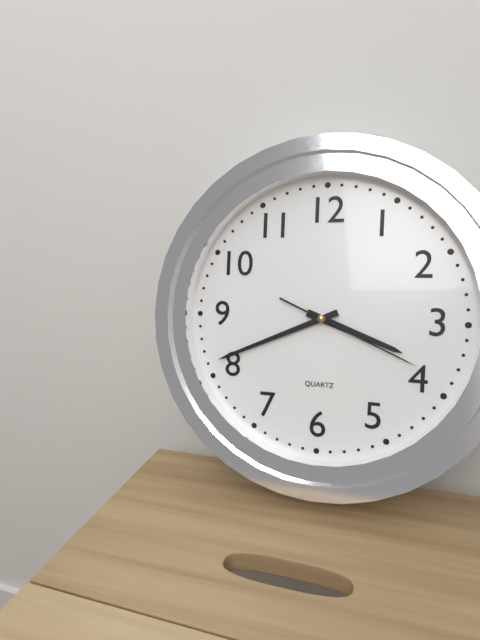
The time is h=3 m=41 s=19
